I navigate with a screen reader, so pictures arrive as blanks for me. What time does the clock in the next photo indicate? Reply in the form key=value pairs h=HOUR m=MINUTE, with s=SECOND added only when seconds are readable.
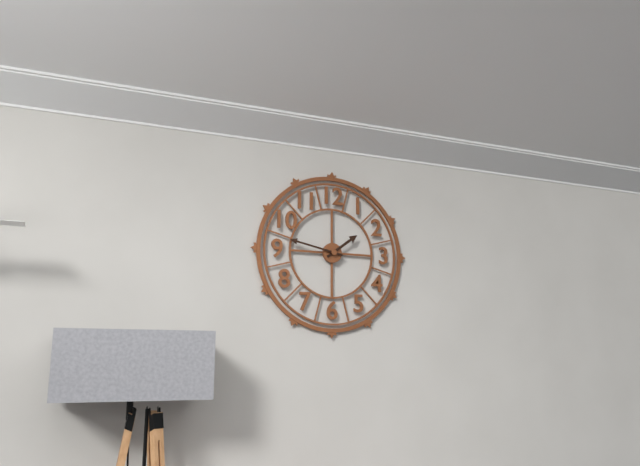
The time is h=1 m=47
